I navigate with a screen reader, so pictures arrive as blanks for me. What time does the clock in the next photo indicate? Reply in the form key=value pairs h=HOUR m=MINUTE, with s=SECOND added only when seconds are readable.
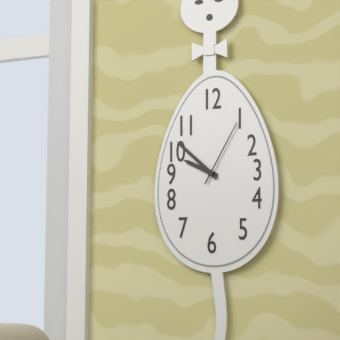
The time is h=9 m=52 s=5
